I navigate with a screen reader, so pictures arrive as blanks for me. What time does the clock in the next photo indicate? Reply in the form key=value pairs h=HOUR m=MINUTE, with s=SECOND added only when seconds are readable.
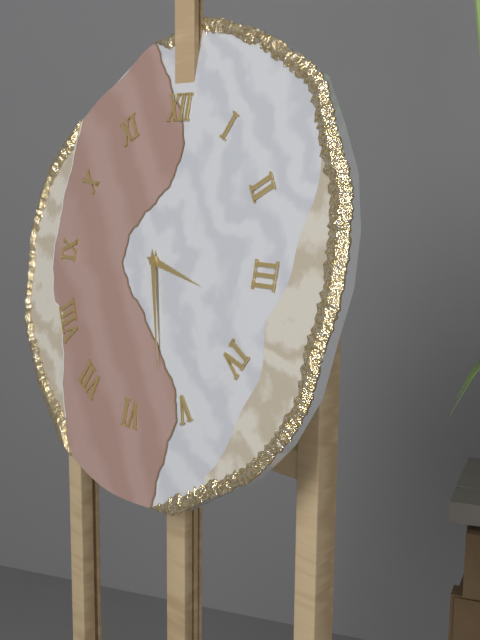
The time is h=3 m=27
